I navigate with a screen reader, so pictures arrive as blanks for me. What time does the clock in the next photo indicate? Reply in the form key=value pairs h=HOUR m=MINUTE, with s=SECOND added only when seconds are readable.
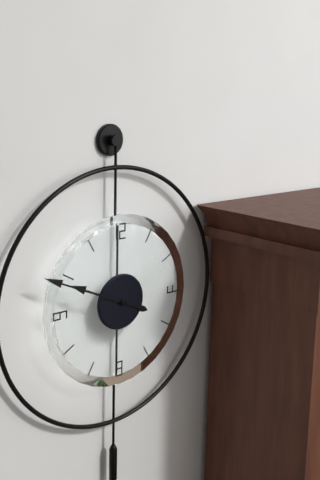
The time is h=9 m=49
